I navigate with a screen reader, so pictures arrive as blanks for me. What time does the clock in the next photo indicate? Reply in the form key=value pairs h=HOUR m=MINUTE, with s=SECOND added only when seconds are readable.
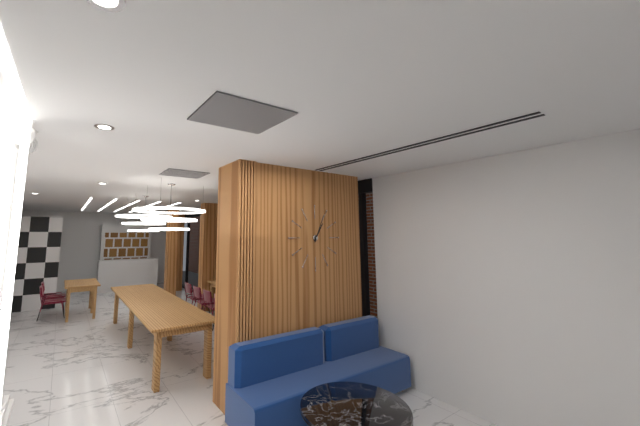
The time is h=1 m=4
